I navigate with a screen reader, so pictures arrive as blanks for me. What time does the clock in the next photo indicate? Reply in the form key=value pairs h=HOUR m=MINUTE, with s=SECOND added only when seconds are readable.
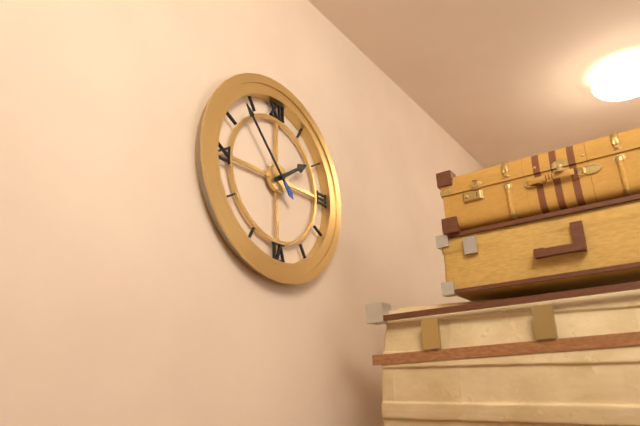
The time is h=1 m=53
